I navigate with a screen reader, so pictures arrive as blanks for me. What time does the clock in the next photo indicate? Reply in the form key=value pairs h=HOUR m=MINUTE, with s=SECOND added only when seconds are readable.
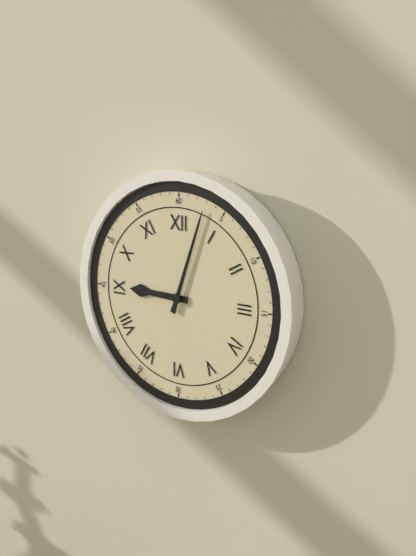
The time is h=9 m=3
